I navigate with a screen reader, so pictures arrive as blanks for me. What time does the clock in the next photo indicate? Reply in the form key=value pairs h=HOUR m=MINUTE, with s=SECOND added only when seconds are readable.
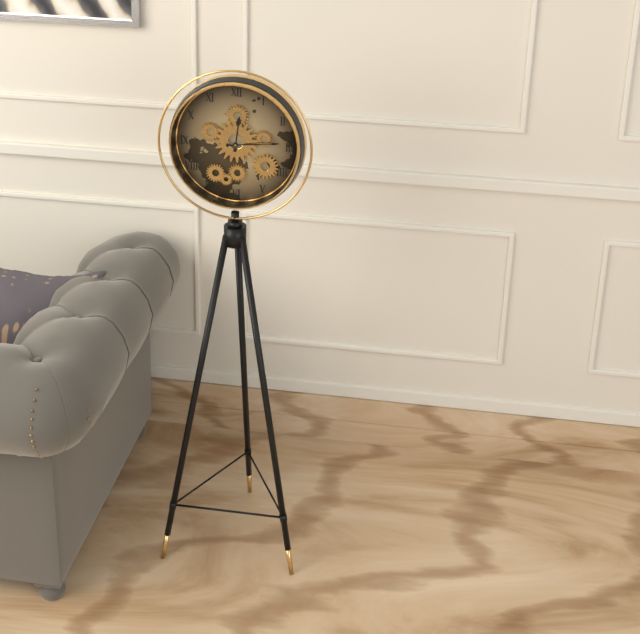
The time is h=12 m=14
